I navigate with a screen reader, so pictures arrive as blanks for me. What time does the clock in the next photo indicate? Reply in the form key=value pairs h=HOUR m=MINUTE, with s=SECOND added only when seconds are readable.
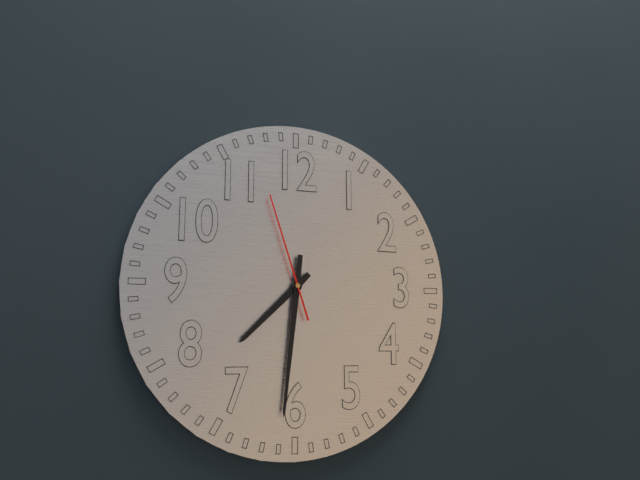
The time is h=7 m=31 s=57
